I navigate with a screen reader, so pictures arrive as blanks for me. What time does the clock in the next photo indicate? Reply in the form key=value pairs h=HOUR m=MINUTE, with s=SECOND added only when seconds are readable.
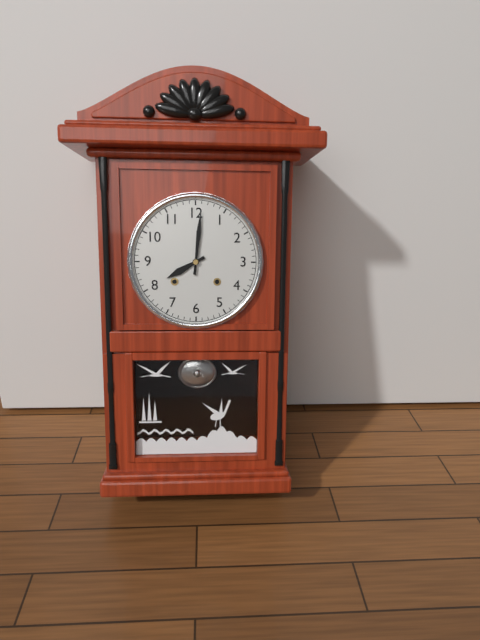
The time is h=8 m=1
